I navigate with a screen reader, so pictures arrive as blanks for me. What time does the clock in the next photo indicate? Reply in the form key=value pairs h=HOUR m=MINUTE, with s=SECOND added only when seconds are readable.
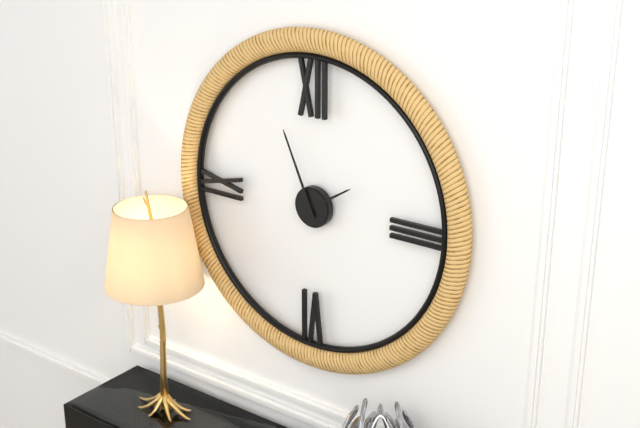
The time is h=1 m=56
